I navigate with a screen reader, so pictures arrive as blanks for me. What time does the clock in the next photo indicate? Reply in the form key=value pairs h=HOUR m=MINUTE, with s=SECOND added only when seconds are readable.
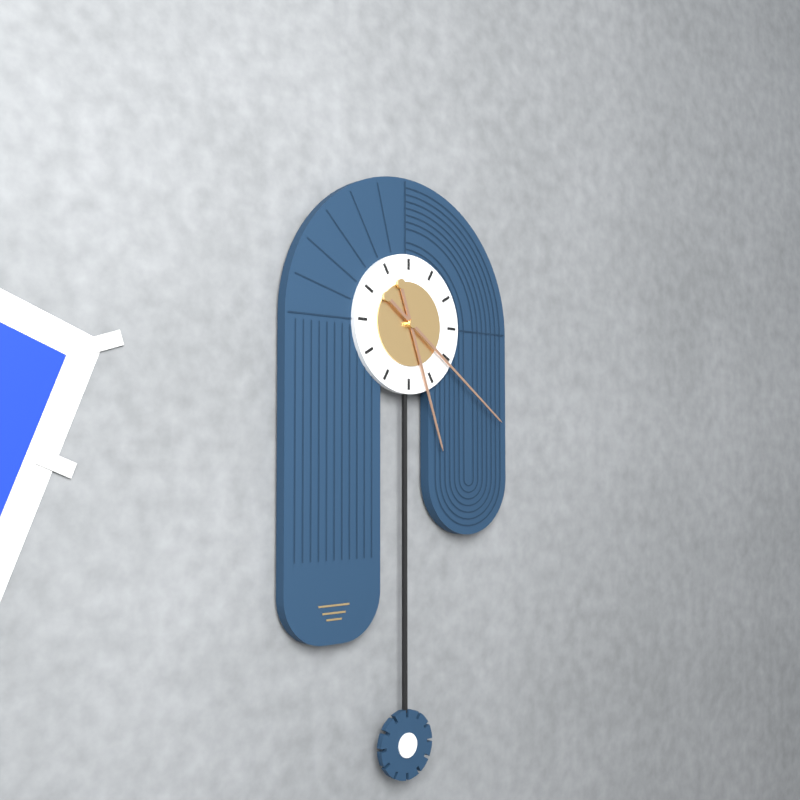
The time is h=5 m=21
